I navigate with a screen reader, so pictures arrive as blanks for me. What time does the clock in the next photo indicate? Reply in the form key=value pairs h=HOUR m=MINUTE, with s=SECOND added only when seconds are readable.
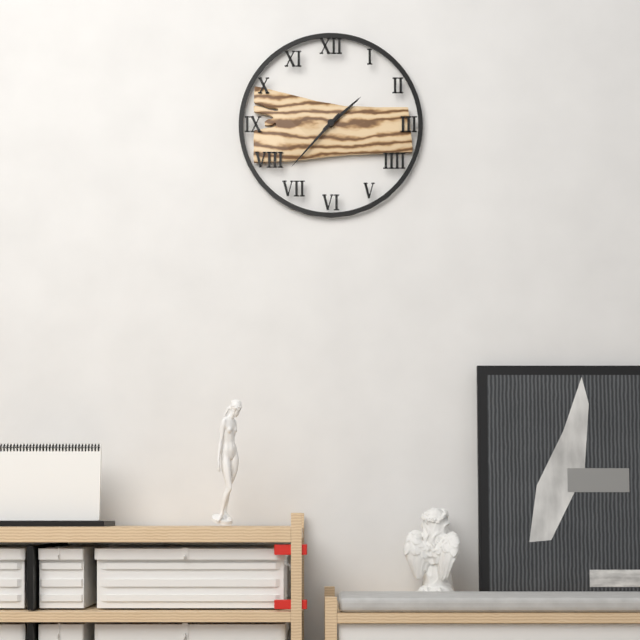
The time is h=1 m=37
